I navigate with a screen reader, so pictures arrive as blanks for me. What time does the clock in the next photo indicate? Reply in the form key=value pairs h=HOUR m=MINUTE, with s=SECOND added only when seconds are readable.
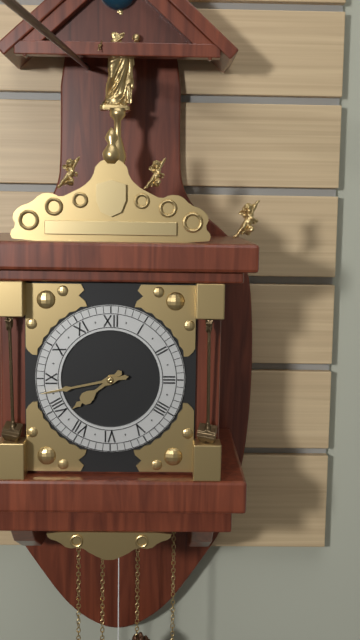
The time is h=7 m=43
